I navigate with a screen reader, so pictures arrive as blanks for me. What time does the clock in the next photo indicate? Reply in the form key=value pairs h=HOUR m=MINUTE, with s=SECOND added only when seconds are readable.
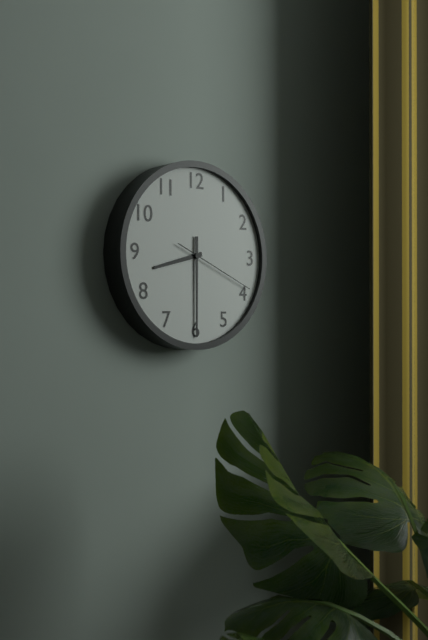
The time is h=8 m=30 s=19
